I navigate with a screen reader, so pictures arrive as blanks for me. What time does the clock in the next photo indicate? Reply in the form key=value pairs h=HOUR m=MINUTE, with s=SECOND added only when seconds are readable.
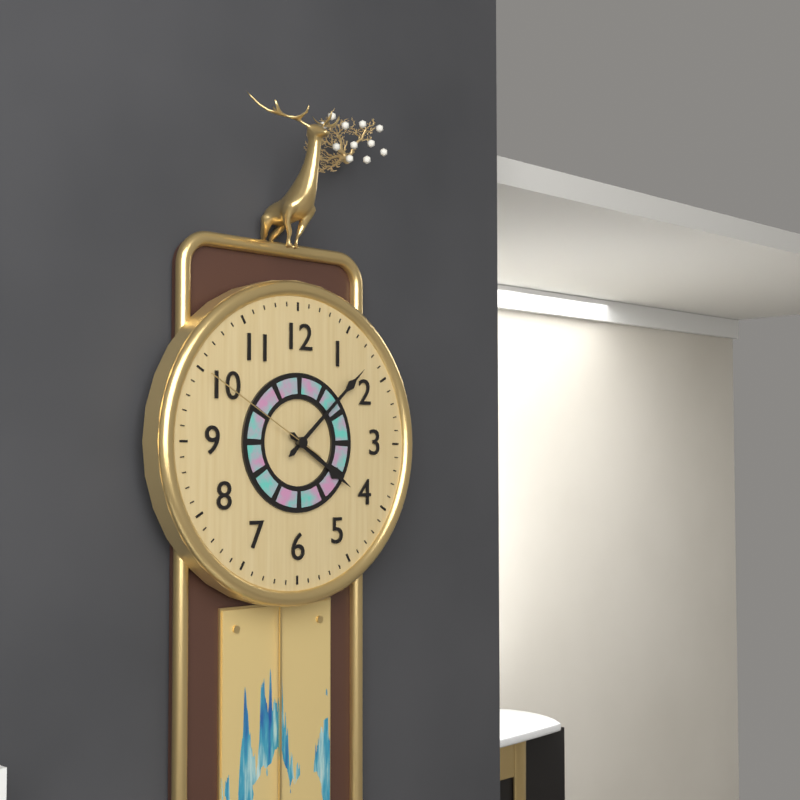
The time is h=4 m=8 s=50
